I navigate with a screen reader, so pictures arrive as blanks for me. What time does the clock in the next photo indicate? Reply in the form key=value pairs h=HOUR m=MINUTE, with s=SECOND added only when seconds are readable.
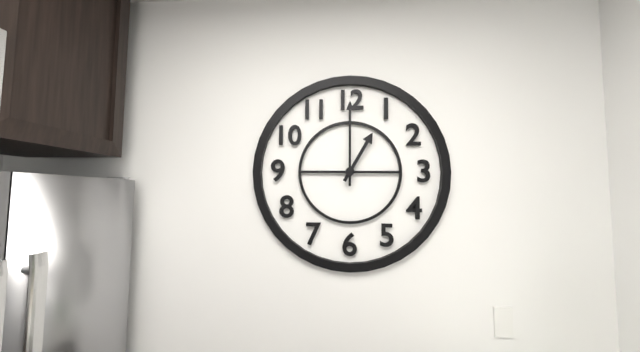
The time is h=1 m=0
